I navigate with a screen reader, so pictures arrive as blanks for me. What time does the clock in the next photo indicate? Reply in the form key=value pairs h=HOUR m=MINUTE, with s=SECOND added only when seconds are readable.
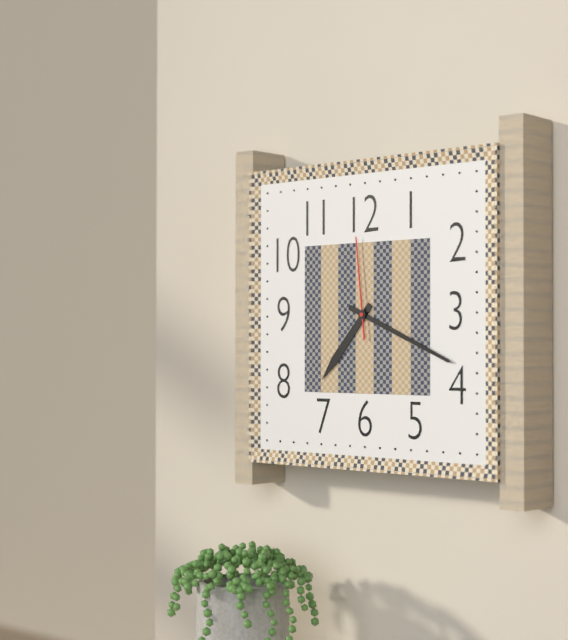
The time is h=7 m=19 s=59
